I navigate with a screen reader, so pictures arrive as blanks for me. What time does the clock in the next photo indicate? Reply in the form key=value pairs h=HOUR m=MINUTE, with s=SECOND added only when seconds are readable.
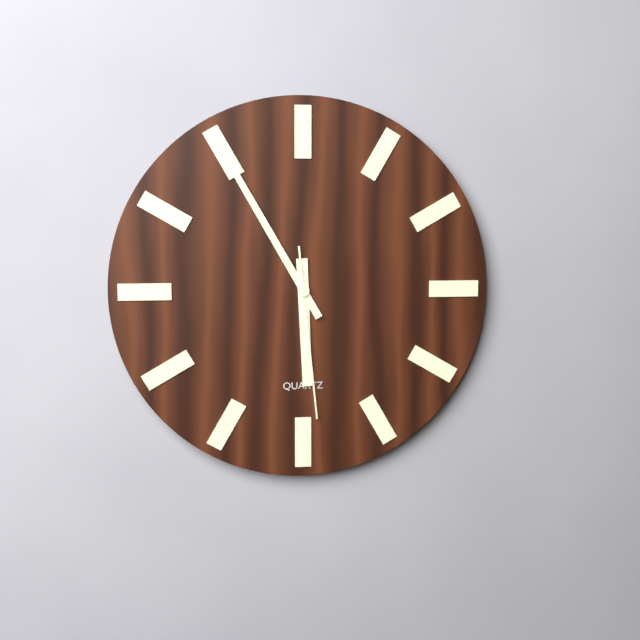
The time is h=5 m=55 s=29
